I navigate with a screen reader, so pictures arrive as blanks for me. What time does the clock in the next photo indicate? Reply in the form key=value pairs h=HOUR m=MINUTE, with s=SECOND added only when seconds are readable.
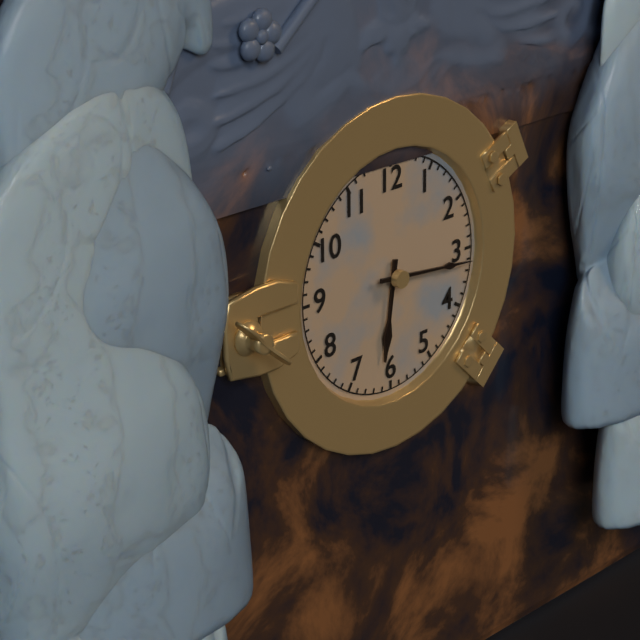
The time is h=6 m=16
